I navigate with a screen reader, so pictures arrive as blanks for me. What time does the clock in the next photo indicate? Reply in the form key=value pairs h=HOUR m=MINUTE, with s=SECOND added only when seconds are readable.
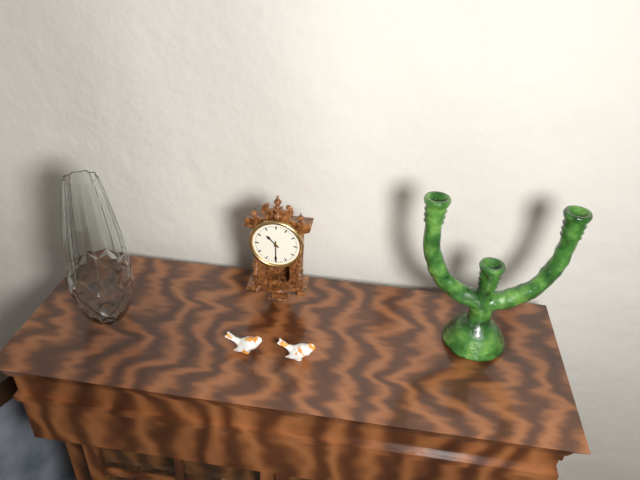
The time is h=10 m=30
